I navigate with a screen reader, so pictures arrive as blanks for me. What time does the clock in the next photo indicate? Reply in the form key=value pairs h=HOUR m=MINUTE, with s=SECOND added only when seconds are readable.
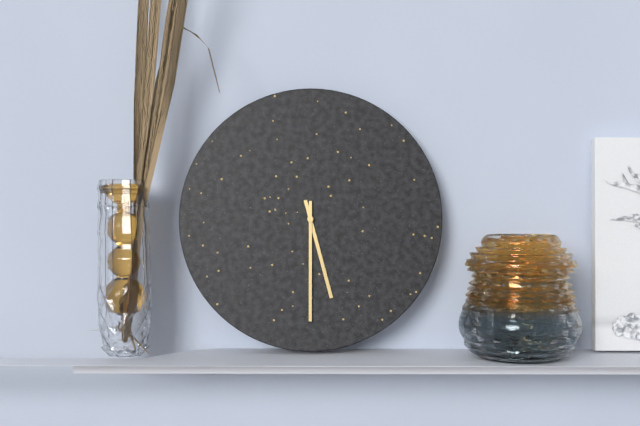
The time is h=5 m=30
